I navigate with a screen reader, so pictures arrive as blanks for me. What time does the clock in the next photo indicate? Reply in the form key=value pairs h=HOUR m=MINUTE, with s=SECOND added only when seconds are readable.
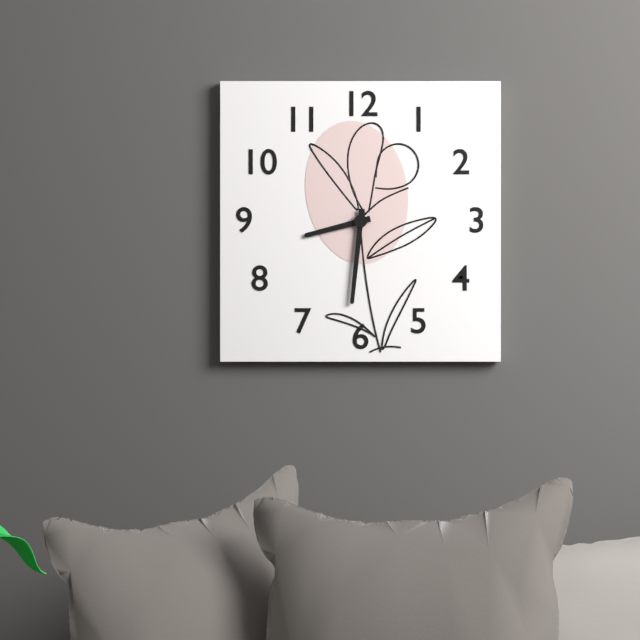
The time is h=8 m=31
